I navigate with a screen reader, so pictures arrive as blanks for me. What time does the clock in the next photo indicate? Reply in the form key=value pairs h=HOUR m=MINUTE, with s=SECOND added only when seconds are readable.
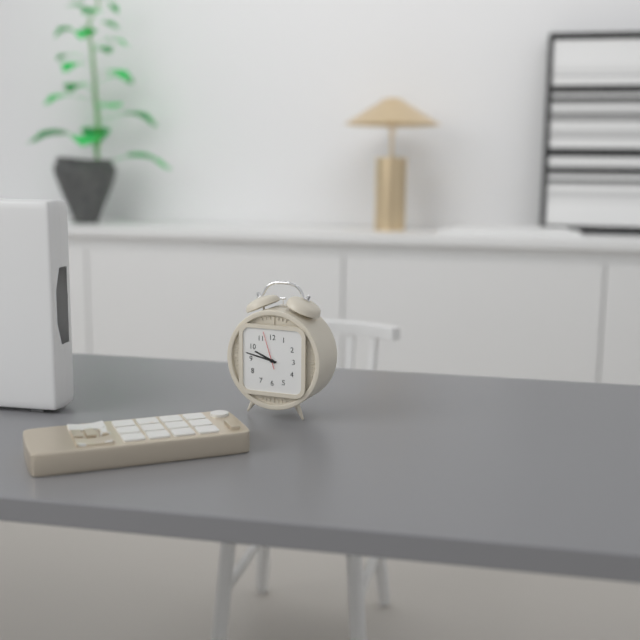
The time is h=9 m=47
